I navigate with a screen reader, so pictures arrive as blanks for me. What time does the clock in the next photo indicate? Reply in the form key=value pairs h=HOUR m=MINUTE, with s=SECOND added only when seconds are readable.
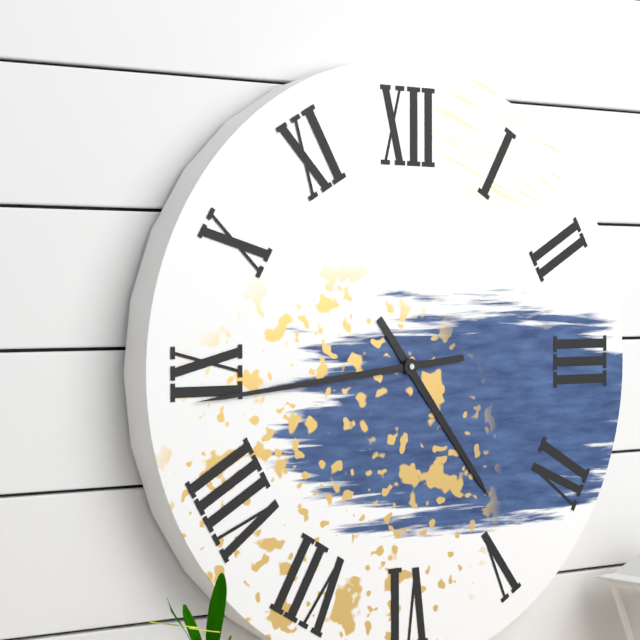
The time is h=4 m=44
